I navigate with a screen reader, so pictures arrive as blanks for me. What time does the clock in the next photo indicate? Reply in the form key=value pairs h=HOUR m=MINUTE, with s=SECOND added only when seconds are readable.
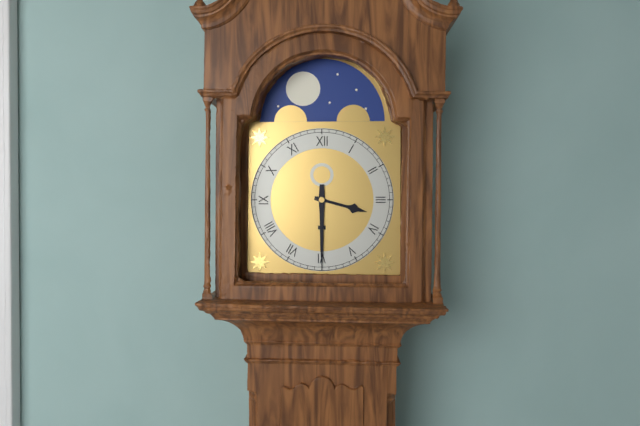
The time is h=3 m=30
